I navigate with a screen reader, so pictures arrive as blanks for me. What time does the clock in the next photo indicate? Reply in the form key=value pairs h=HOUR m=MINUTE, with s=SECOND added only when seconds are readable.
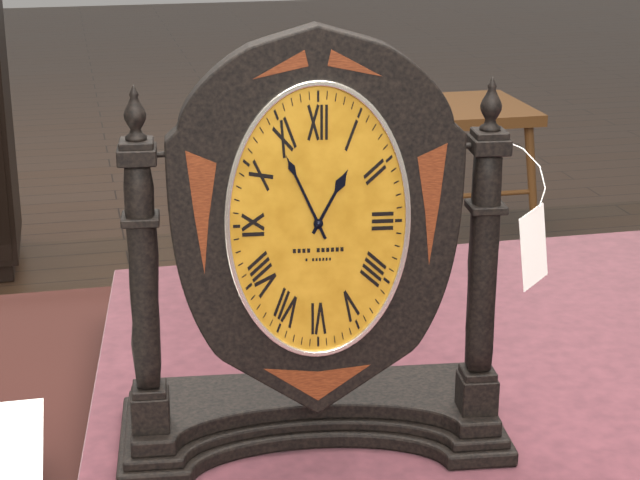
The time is h=12 m=56
